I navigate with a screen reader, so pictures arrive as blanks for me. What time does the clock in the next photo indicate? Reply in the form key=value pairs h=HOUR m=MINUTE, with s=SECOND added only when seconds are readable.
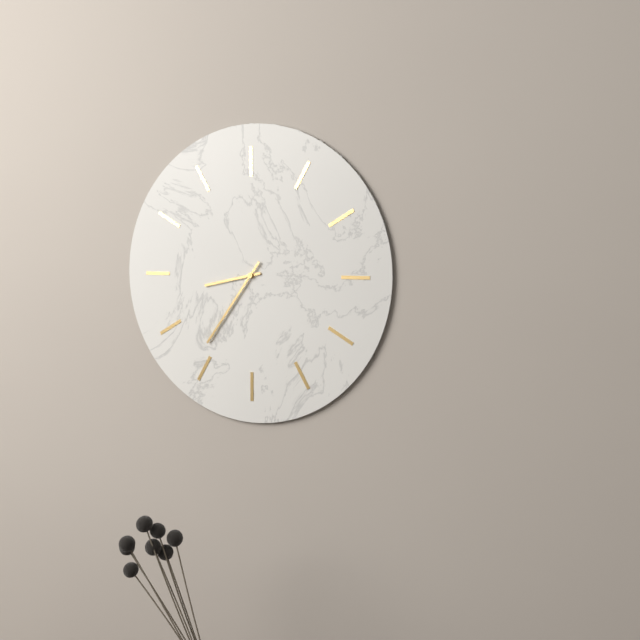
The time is h=8 m=36
